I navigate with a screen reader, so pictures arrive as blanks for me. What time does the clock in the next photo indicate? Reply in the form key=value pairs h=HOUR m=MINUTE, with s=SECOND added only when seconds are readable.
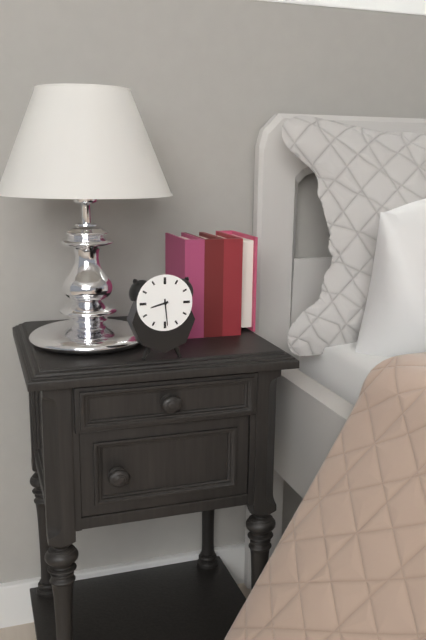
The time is h=8 m=29
